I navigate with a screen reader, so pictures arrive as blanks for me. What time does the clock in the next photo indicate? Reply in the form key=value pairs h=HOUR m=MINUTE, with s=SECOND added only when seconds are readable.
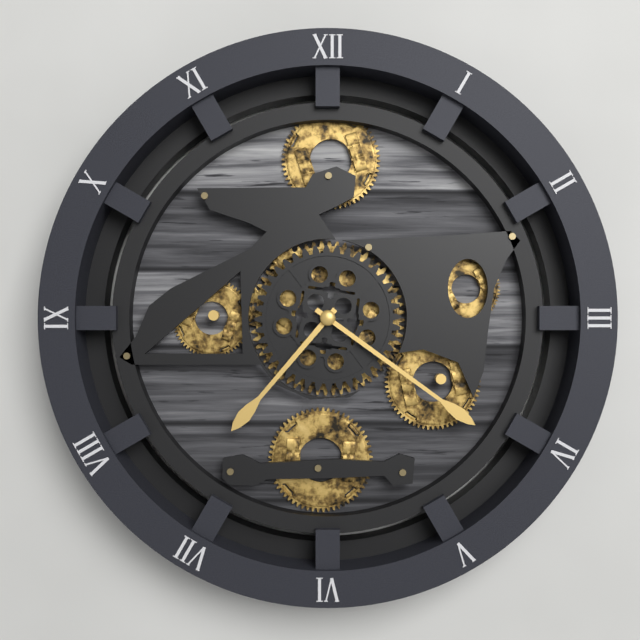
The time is h=7 m=21
